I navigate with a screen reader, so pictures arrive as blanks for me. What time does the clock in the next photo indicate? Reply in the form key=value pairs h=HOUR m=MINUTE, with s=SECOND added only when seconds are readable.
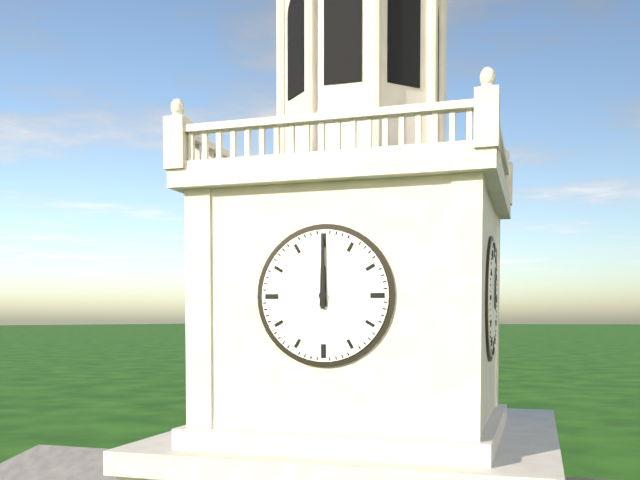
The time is h=12 m=0
